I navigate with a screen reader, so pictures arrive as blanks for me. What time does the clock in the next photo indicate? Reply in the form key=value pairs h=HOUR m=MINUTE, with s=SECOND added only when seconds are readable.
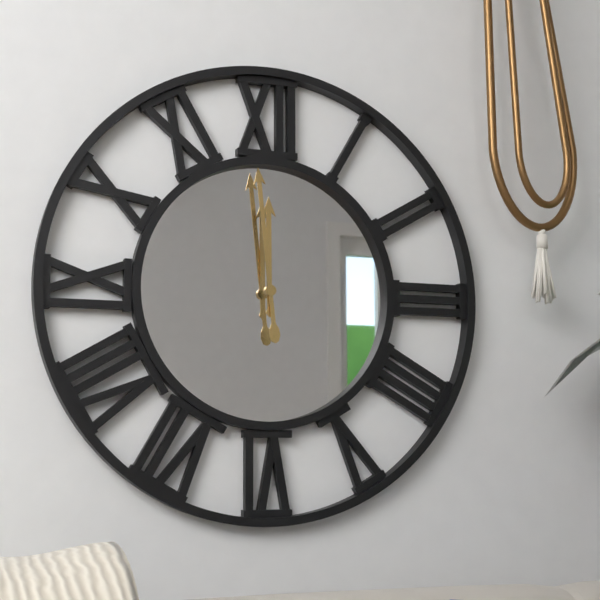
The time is h=11 m=59
